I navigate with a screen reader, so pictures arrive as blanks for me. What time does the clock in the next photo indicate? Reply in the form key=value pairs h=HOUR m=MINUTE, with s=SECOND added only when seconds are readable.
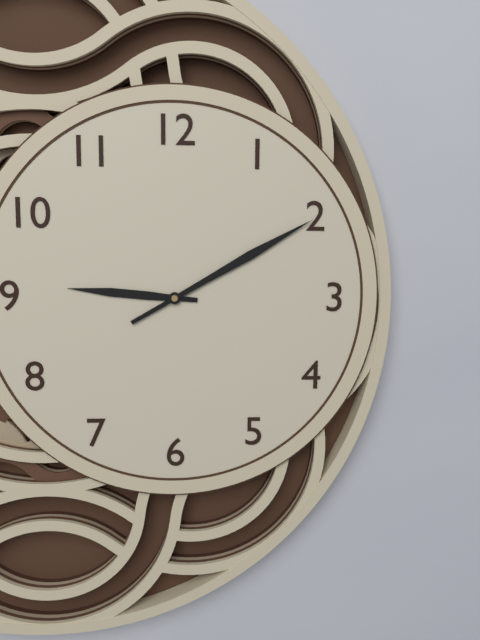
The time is h=9 m=10
